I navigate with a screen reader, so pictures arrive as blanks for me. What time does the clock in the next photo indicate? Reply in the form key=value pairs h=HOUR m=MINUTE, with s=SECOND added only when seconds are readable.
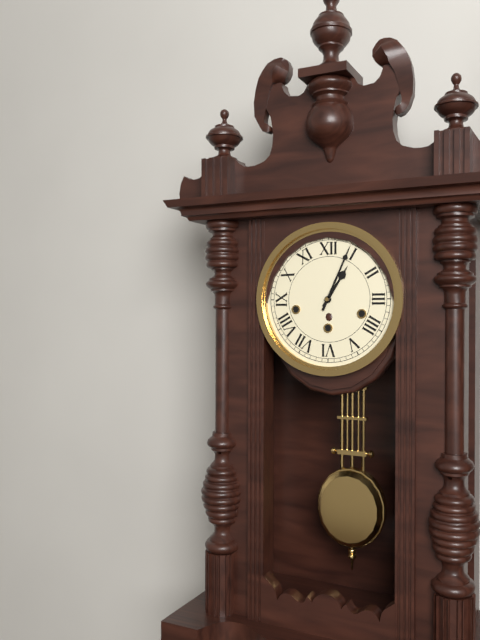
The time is h=1 m=4
